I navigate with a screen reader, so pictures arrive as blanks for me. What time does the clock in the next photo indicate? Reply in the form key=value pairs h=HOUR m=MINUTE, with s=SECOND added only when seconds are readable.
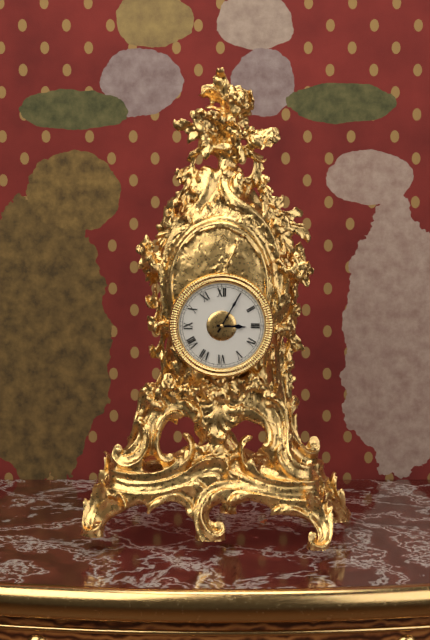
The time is h=3 m=5
